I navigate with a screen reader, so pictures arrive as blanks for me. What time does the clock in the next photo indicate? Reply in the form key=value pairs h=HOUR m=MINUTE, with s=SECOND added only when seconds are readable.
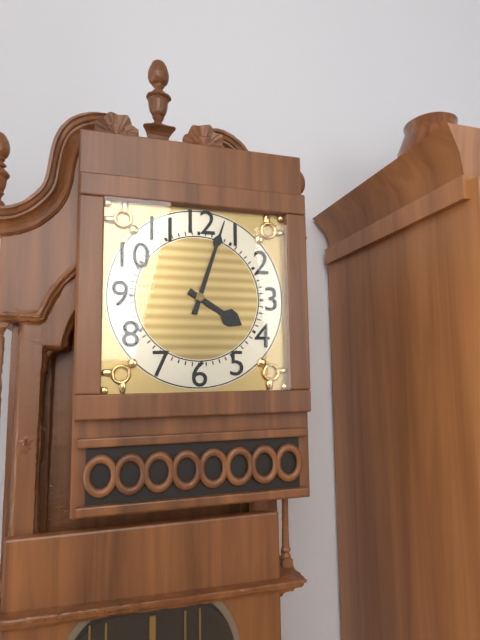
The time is h=4 m=3
